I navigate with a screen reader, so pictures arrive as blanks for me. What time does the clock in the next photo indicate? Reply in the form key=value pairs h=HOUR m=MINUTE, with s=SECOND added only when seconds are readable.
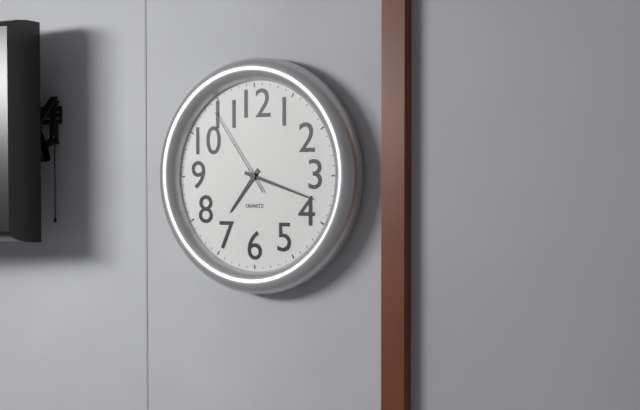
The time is h=7 m=18 s=54
